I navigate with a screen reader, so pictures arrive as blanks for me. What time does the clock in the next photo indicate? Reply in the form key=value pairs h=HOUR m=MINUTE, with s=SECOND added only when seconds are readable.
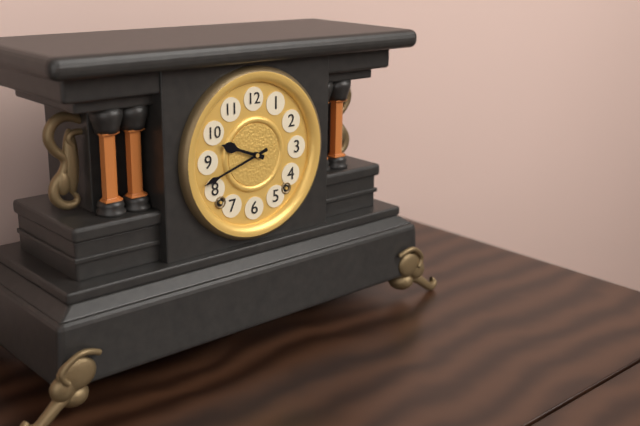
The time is h=9 m=42
